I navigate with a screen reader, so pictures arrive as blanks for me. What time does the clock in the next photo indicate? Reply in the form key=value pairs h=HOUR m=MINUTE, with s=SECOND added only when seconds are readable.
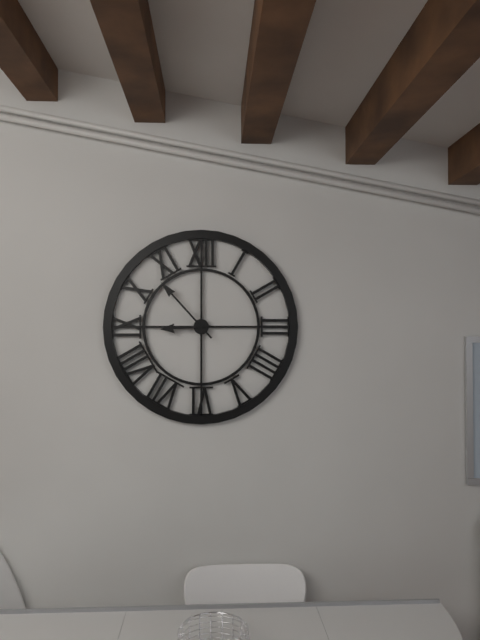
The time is h=8 m=53
